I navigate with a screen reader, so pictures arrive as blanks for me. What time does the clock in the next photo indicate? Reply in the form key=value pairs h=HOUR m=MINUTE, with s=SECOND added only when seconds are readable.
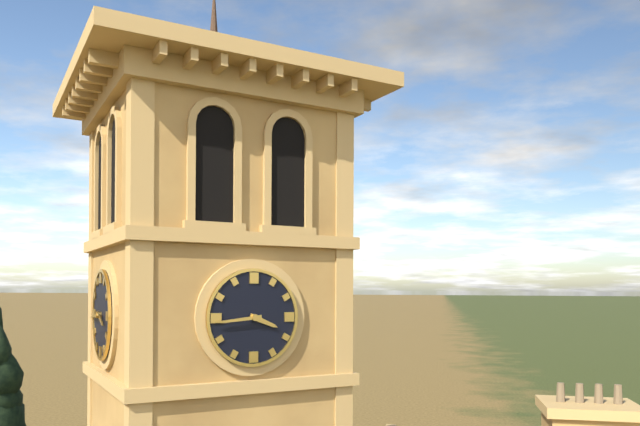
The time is h=3 m=44
